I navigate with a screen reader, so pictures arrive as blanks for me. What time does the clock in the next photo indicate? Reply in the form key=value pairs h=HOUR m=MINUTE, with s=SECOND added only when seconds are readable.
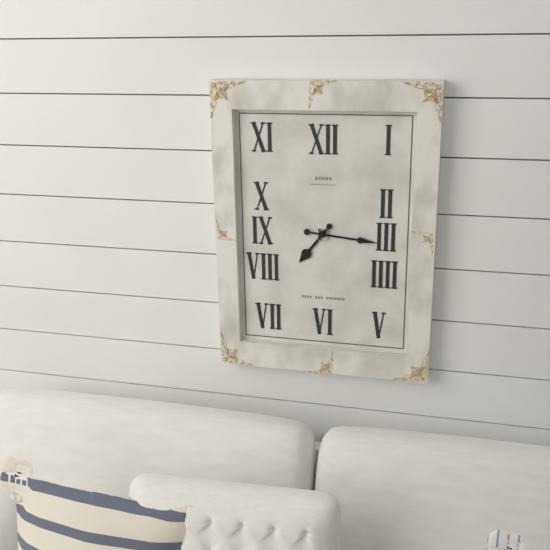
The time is h=7 m=16
